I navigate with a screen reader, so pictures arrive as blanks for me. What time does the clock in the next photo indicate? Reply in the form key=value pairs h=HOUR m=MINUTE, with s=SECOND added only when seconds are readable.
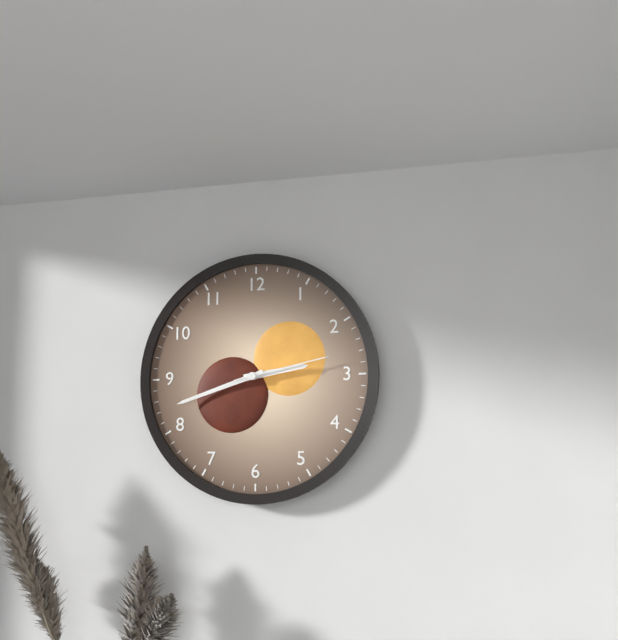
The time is h=2 m=42 s=13
